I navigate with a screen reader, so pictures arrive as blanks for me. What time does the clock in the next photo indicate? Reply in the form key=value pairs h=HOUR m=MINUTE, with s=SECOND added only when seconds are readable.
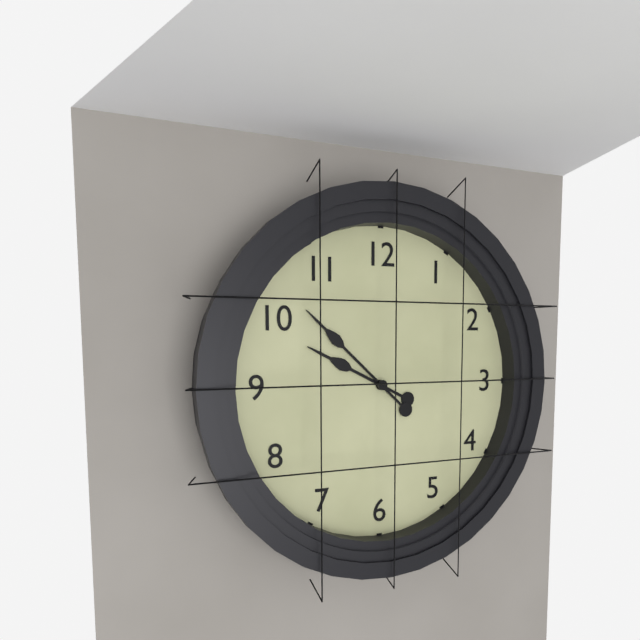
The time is h=9 m=52
